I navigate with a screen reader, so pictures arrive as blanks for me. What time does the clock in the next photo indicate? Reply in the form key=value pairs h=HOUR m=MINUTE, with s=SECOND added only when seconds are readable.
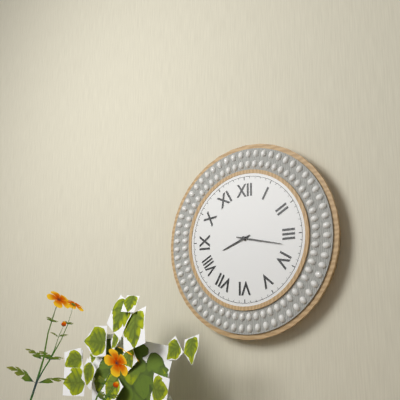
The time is h=8 m=17
